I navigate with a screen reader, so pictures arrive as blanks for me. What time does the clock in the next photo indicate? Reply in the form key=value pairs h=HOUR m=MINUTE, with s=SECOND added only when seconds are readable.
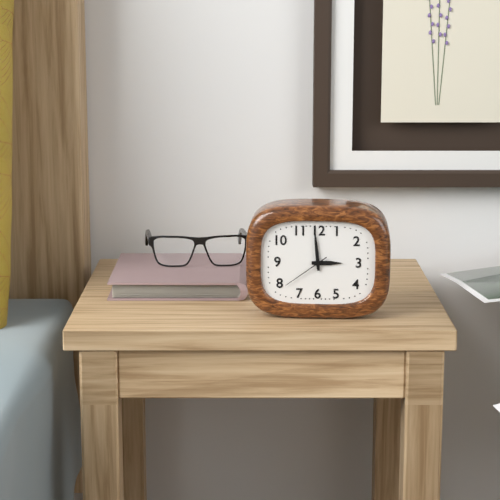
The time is h=2 m=59
